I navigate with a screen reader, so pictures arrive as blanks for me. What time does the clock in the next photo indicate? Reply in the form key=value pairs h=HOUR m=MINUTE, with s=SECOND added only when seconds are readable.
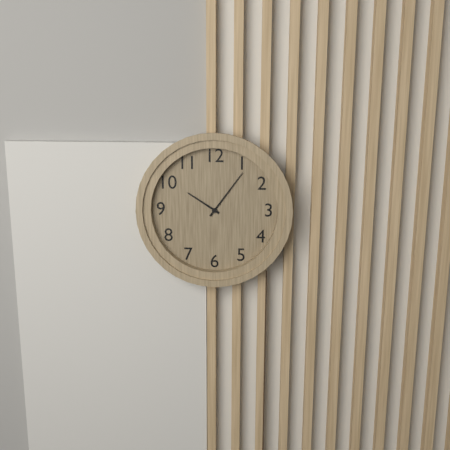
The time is h=10 m=6
